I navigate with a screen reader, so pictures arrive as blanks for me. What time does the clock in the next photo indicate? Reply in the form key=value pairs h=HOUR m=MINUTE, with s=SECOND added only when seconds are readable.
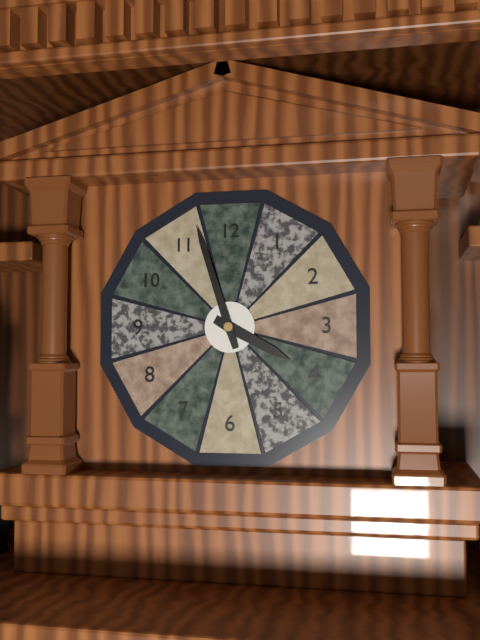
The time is h=3 m=57
